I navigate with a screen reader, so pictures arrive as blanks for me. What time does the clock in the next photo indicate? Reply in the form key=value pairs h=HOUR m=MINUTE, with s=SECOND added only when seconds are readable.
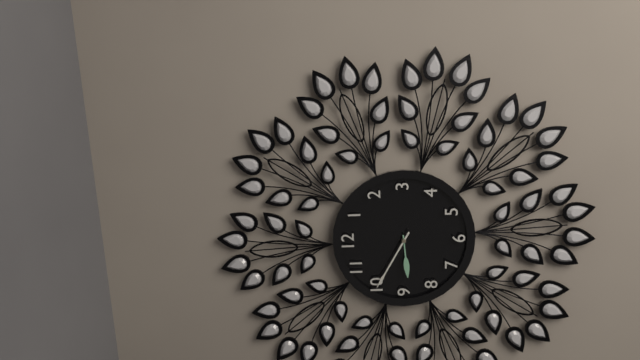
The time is h=8 m=50
